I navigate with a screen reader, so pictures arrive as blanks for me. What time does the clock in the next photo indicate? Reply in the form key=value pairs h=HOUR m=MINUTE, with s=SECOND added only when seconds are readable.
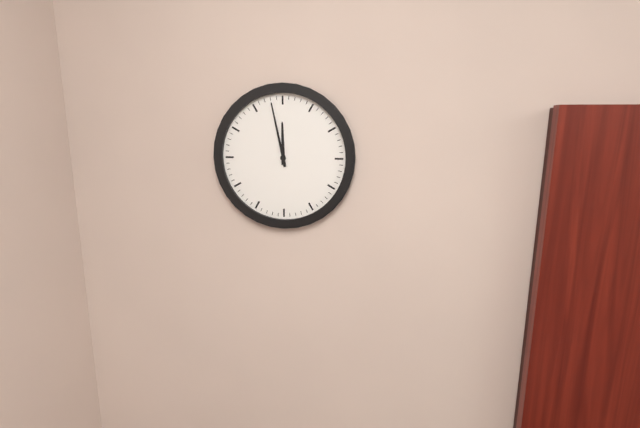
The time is h=11 m=58
